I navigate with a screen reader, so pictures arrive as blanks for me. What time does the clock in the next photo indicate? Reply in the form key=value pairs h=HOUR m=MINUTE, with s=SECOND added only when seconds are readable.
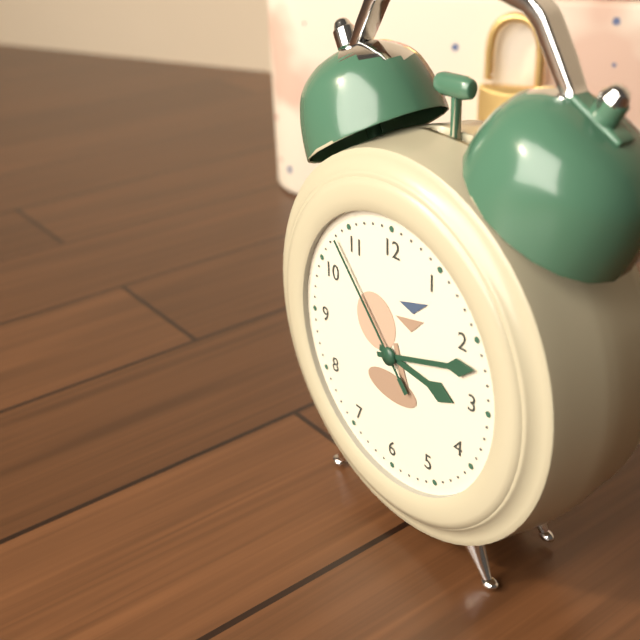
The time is h=3 m=12 s=53
